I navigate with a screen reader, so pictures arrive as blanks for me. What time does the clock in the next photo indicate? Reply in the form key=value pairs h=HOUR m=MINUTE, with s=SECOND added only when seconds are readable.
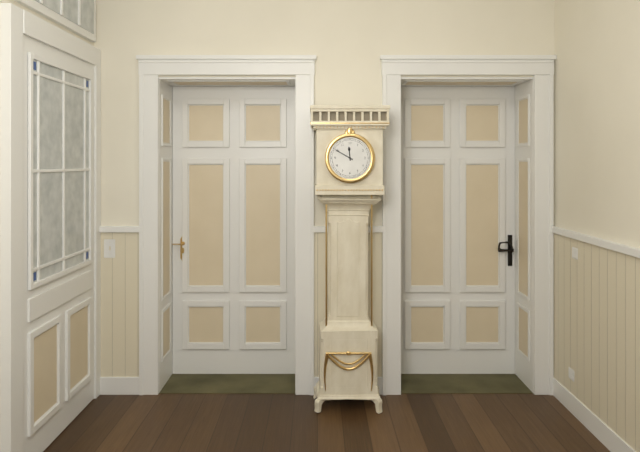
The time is h=11 m=50
